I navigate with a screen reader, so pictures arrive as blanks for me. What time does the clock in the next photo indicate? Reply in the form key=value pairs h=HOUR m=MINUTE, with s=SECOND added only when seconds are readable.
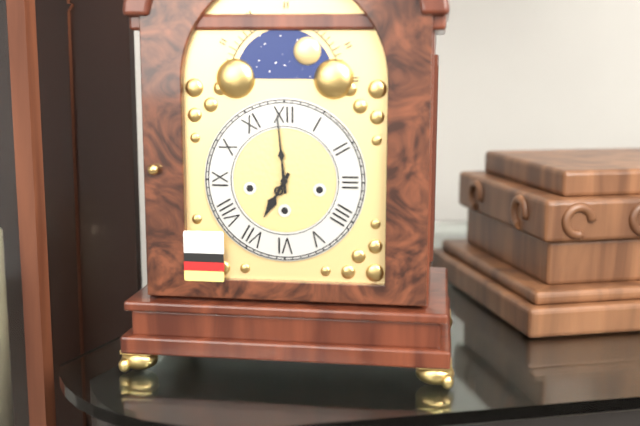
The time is h=6 m=59
